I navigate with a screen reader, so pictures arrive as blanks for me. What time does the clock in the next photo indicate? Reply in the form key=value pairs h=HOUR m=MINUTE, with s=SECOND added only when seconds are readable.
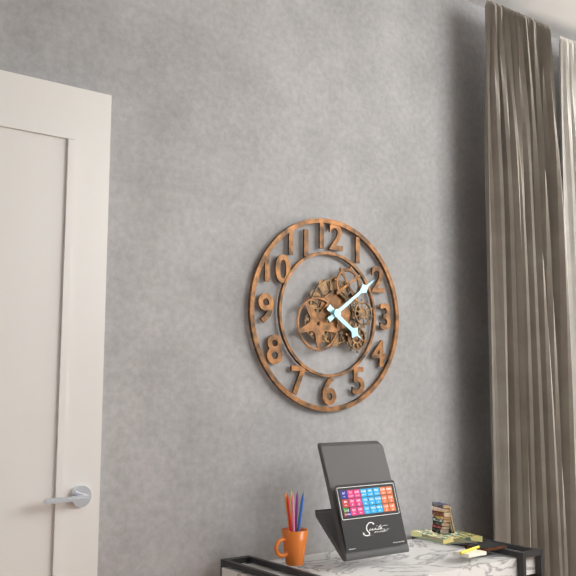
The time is h=4 m=9
